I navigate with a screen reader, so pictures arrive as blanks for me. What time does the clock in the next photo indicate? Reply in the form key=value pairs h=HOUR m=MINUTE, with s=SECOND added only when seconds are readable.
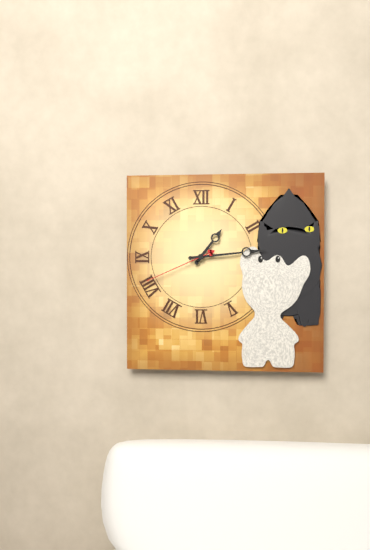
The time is h=1 m=14 s=41
